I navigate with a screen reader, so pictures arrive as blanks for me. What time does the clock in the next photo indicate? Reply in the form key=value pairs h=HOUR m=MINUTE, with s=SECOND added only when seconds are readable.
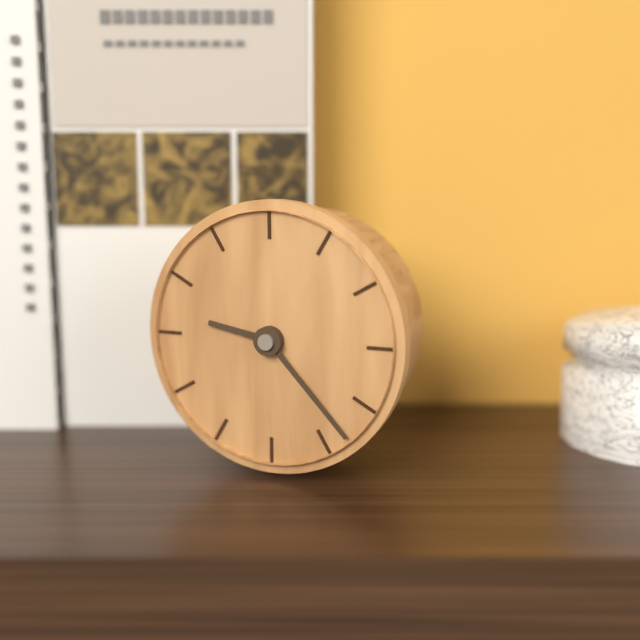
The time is h=9 m=23
